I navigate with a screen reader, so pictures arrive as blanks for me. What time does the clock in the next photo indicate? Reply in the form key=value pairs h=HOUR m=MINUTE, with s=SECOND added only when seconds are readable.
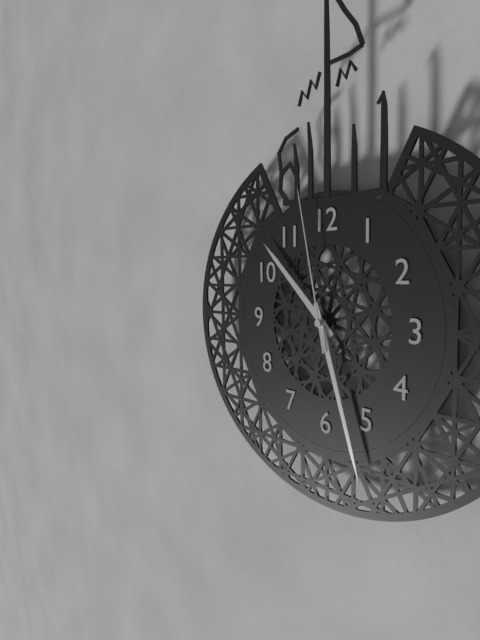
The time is h=10 m=27 s=58
